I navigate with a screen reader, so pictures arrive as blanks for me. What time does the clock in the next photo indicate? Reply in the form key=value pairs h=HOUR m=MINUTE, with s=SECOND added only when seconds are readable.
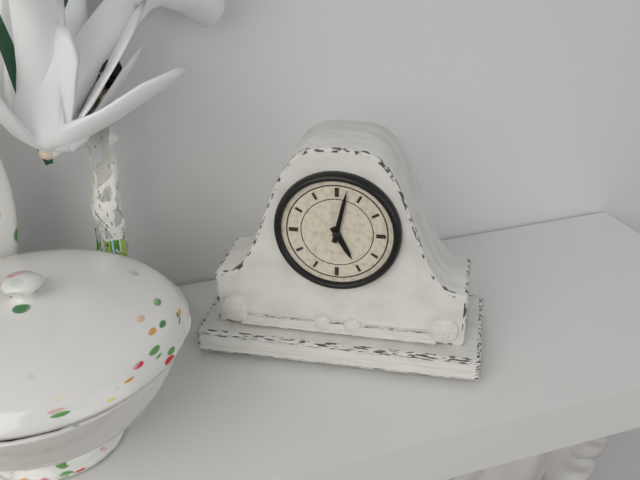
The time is h=5 m=2
